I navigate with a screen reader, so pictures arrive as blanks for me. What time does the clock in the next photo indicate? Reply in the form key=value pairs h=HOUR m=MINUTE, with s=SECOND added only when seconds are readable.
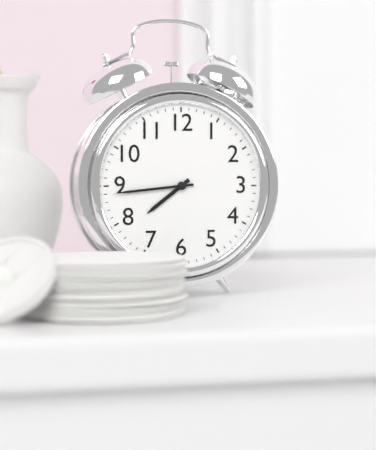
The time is h=7 m=44
